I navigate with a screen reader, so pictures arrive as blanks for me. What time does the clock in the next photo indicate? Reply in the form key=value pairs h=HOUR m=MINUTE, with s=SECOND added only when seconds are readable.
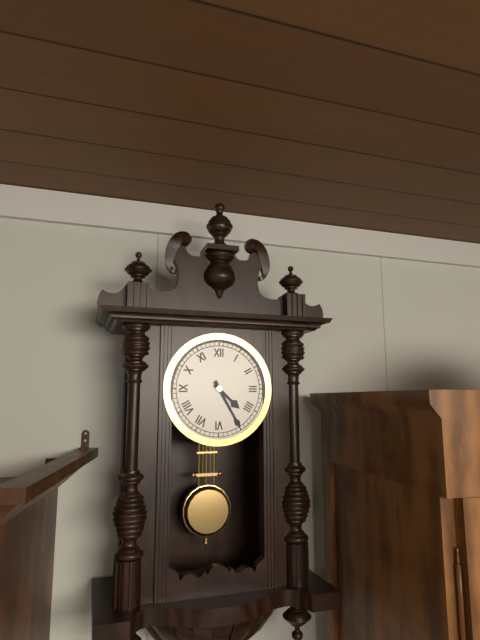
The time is h=4 m=25
